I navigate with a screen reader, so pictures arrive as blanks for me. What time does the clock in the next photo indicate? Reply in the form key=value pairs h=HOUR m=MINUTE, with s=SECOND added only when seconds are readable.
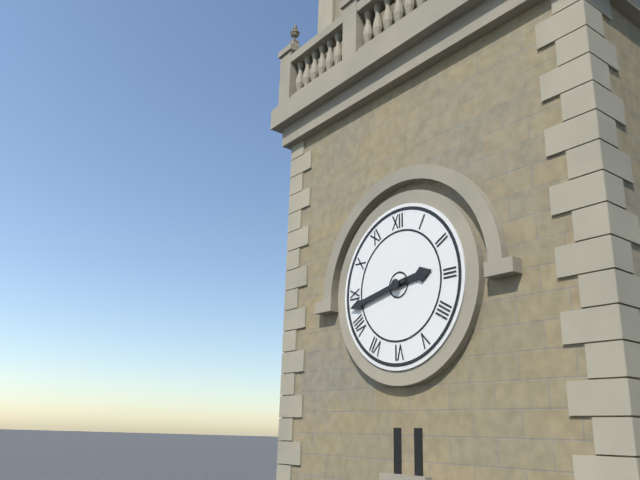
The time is h=2 m=43
